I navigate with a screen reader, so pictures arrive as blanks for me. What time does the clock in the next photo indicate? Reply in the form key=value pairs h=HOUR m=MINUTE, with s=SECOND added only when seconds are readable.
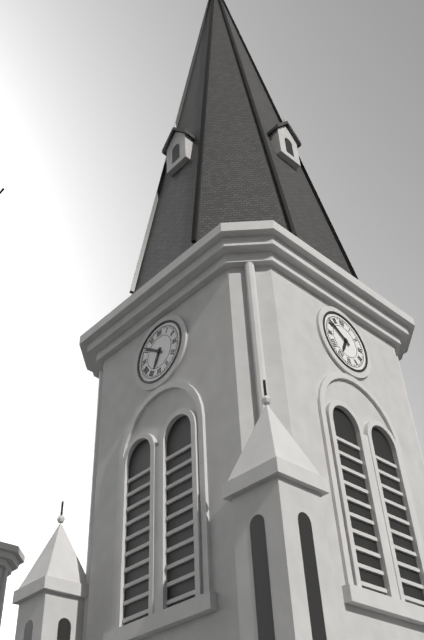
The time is h=6 m=51
